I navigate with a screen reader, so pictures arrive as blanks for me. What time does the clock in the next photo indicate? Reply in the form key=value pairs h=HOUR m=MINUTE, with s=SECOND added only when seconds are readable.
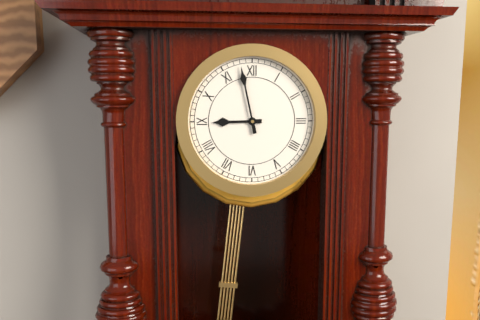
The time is h=8 m=58
